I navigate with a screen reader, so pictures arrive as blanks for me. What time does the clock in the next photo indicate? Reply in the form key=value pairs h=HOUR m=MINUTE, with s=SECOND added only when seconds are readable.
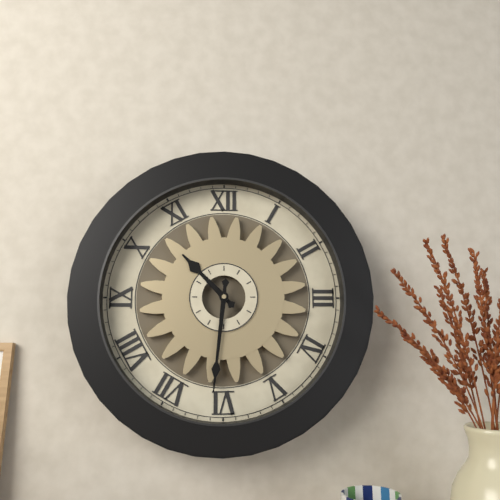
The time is h=10 m=31
